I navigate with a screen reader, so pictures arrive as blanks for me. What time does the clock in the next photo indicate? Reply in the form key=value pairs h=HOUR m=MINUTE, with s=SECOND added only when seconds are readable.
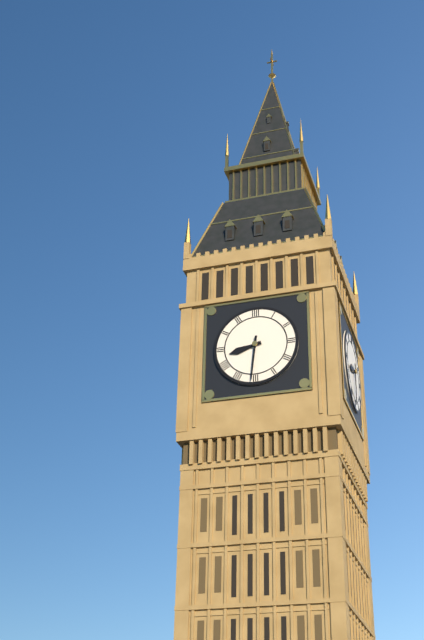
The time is h=8 m=31
